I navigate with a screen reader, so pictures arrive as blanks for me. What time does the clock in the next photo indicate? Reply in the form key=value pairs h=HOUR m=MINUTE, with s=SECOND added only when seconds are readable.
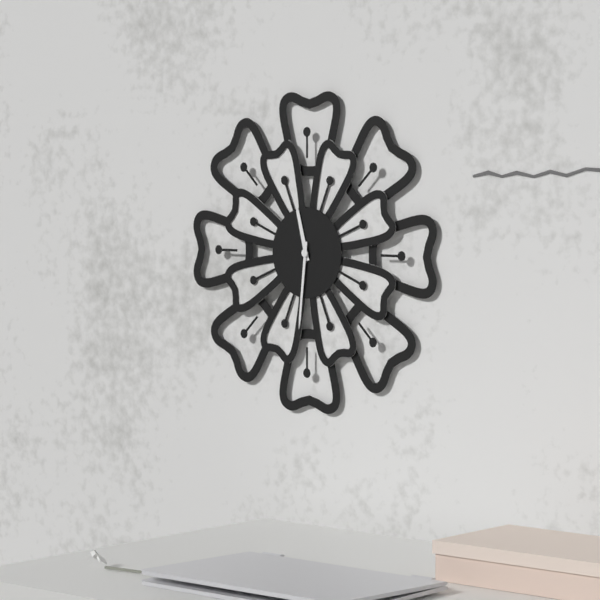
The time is h=11 m=31
